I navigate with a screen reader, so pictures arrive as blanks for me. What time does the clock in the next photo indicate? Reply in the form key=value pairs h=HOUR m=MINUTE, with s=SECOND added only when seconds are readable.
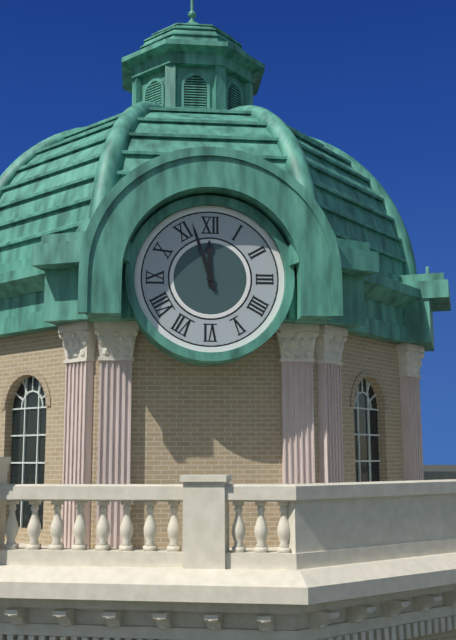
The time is h=11 m=57
